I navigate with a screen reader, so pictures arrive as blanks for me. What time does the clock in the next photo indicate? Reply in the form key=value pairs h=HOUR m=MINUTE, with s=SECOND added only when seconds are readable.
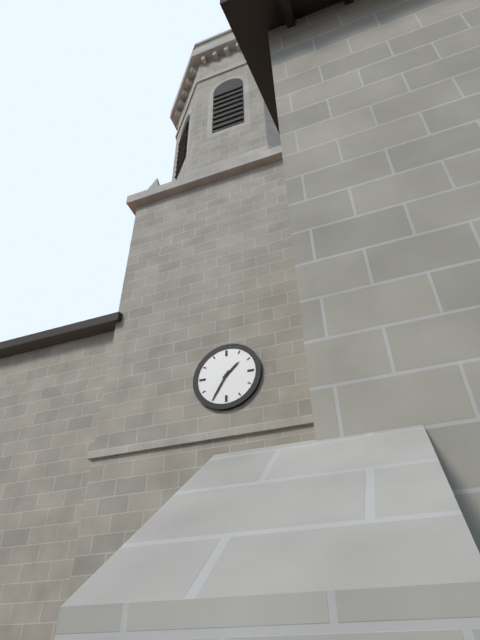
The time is h=1 m=35
